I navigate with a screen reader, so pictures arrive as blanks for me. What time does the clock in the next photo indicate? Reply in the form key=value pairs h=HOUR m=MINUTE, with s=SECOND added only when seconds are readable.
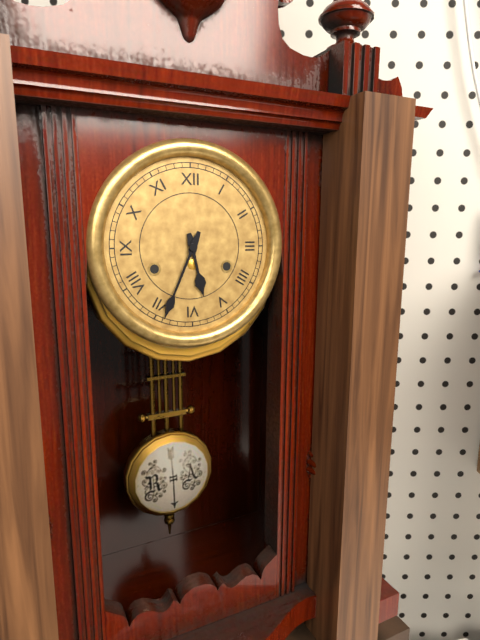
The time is h=5 m=34
